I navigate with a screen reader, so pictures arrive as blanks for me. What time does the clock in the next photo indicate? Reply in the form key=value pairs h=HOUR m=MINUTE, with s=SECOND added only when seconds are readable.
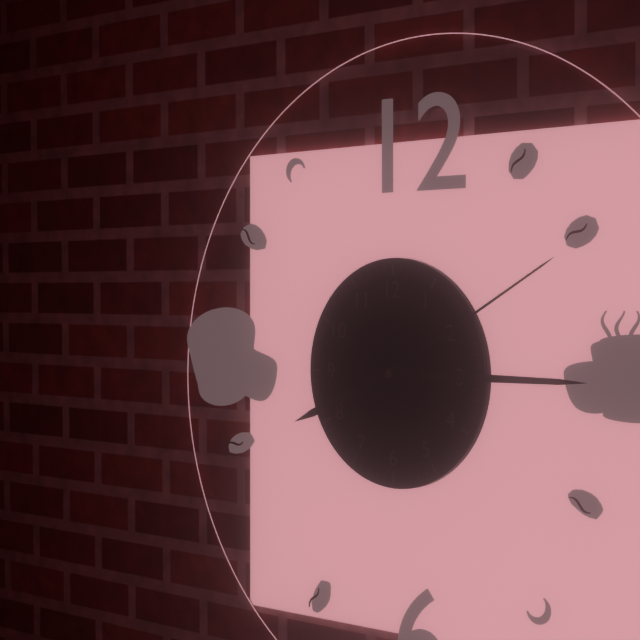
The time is h=8 m=15 s=10
